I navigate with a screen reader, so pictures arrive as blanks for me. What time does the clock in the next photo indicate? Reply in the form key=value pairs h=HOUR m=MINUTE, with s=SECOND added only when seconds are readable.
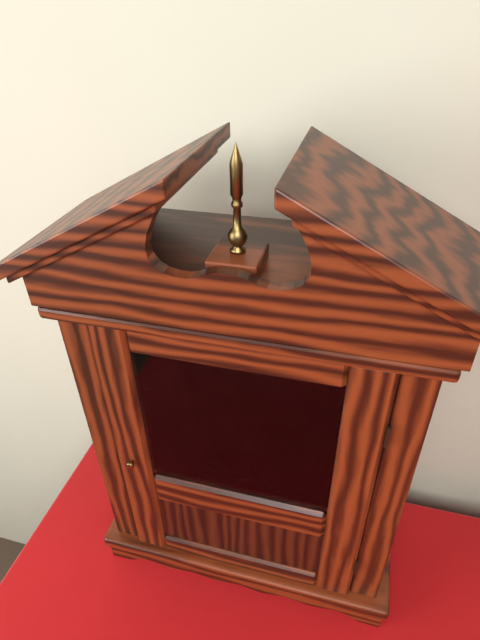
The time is h=4 m=16
